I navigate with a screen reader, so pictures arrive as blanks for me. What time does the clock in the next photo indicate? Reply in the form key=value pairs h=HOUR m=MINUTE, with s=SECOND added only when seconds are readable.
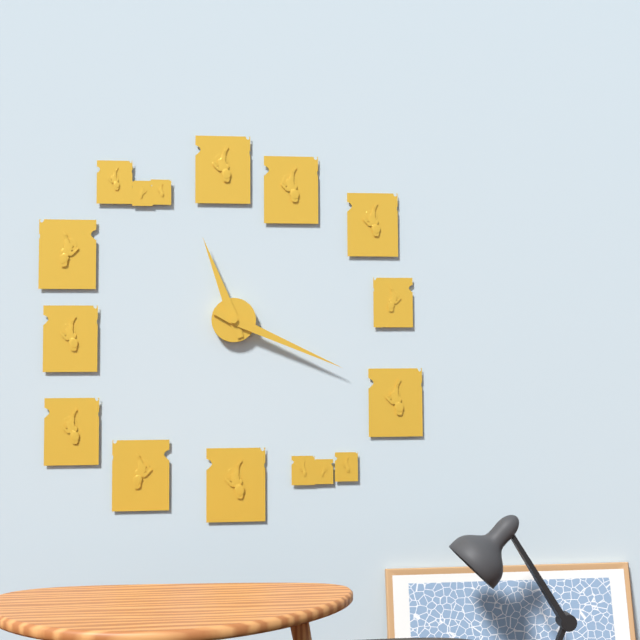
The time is h=11 m=19
